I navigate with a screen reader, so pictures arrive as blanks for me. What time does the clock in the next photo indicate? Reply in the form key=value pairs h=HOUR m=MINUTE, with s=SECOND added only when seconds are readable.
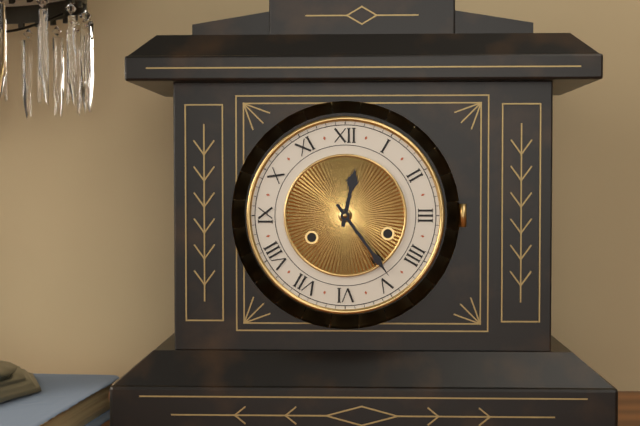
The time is h=12 m=24
